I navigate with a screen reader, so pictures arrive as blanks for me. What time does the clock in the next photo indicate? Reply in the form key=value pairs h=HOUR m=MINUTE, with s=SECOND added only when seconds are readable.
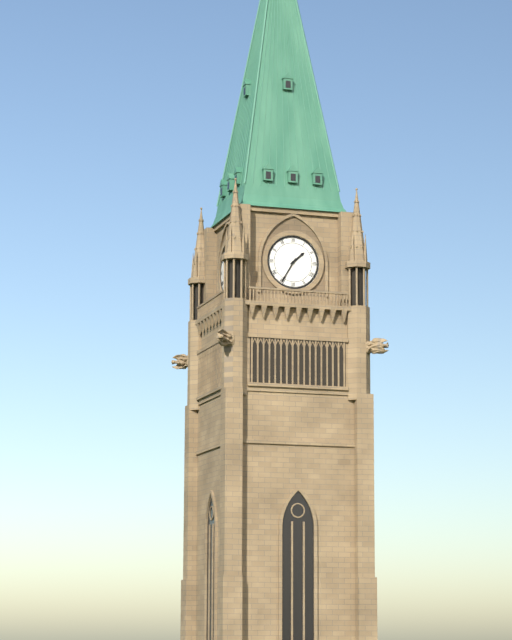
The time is h=1 m=35
